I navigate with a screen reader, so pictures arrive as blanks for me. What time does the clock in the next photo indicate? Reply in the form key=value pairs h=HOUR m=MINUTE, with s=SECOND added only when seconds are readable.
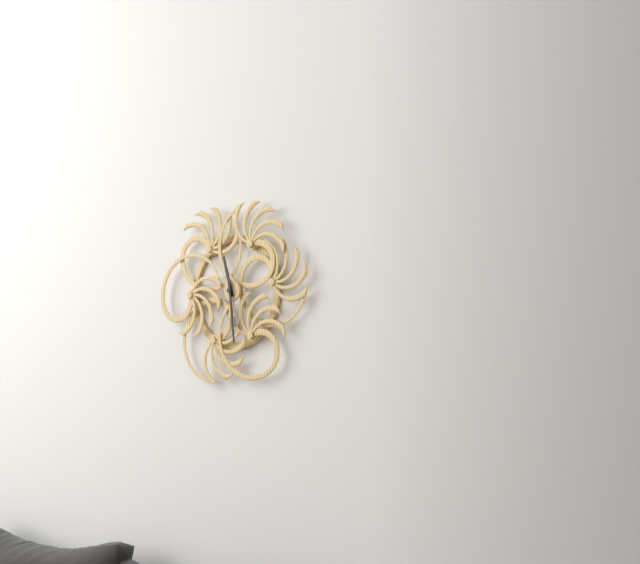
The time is h=11 m=29
